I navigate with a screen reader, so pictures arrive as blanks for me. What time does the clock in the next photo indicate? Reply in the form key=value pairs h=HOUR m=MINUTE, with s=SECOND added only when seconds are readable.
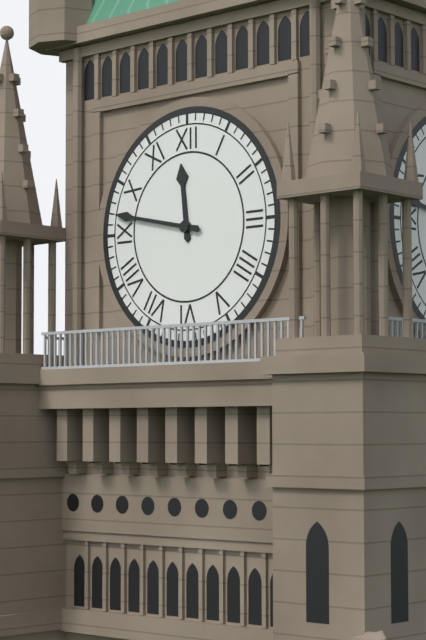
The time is h=11 m=47
